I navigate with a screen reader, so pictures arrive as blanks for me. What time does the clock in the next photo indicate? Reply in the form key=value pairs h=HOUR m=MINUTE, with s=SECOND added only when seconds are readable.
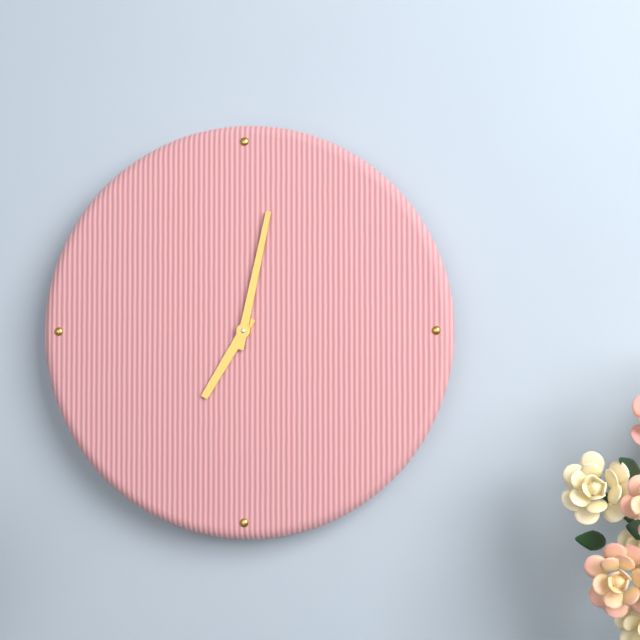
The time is h=7 m=2
